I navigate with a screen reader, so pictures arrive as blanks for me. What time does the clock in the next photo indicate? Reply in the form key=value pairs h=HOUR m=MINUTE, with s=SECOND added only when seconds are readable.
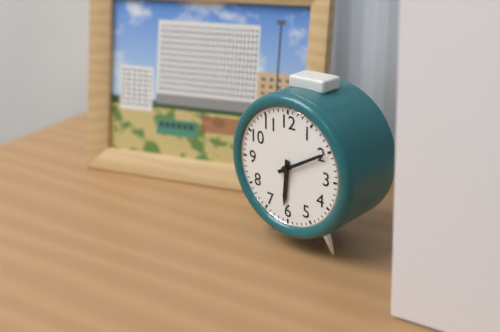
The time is h=6 m=10
